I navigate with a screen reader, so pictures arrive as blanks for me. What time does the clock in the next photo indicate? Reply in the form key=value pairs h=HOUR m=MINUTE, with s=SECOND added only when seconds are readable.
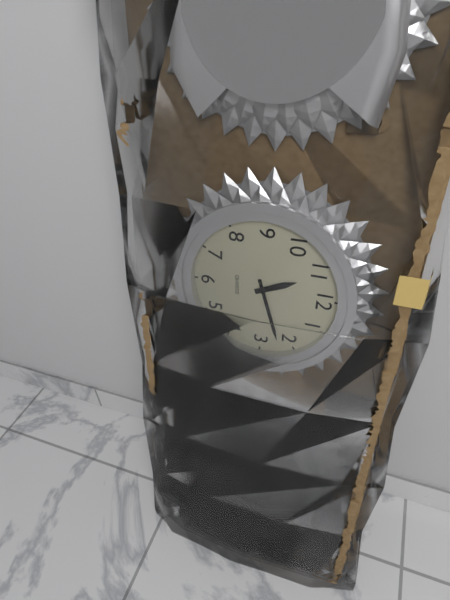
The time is h=11 m=12
